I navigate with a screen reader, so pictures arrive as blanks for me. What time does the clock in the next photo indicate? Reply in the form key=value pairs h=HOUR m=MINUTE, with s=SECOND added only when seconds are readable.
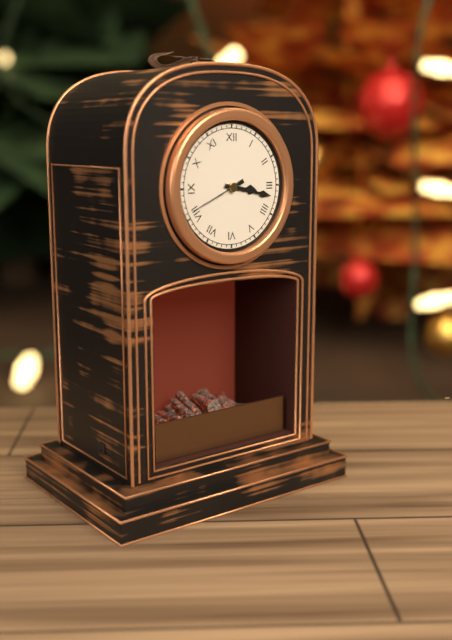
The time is h=3 m=17 s=41
